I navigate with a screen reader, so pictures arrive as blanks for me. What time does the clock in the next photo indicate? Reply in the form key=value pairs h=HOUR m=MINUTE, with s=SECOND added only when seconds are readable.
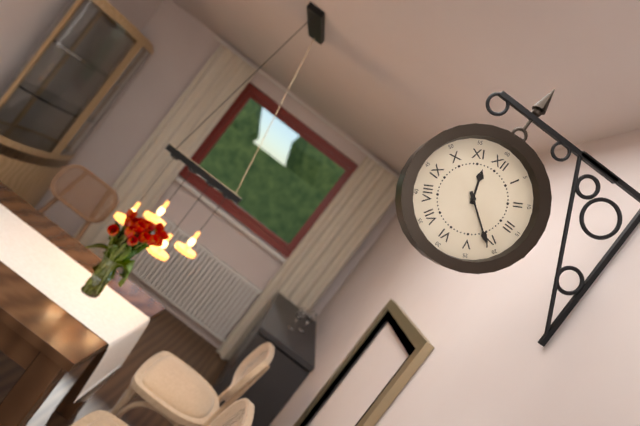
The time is h=11 m=21
